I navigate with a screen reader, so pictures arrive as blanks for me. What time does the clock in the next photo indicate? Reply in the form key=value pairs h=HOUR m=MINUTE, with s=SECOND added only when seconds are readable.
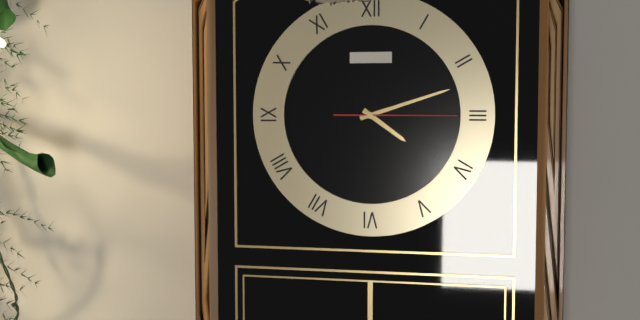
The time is h=4 m=12 s=15
